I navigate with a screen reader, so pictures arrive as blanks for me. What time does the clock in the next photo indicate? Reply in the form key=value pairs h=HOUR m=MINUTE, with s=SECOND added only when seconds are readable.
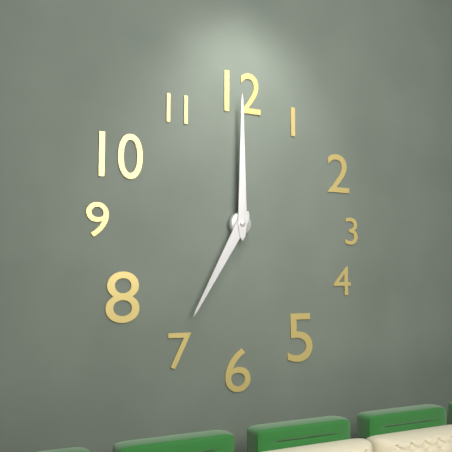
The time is h=7 m=0
